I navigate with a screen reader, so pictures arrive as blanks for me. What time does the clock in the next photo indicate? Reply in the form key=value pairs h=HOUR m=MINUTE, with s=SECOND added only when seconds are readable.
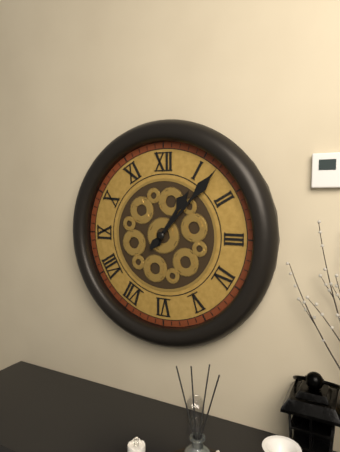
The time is h=1 m=7
